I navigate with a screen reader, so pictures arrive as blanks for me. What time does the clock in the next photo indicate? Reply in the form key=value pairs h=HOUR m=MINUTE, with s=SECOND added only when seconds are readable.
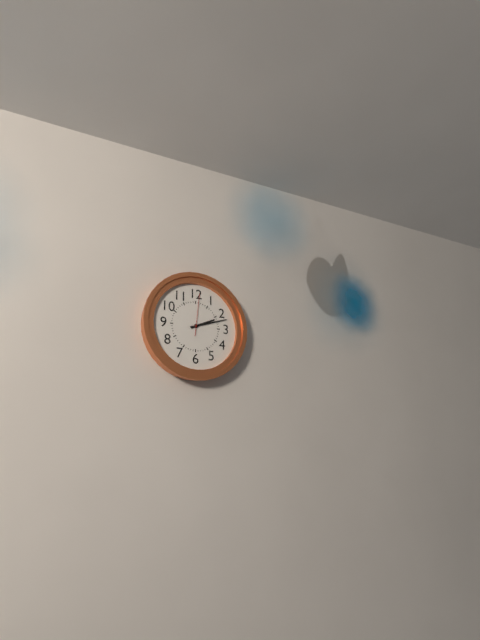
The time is h=2 m=12
